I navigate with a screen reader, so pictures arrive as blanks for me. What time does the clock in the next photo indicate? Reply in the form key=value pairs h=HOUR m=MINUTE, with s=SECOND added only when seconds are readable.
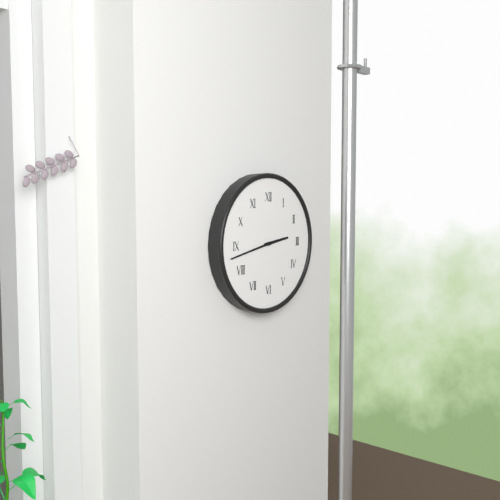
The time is h=2 m=43
